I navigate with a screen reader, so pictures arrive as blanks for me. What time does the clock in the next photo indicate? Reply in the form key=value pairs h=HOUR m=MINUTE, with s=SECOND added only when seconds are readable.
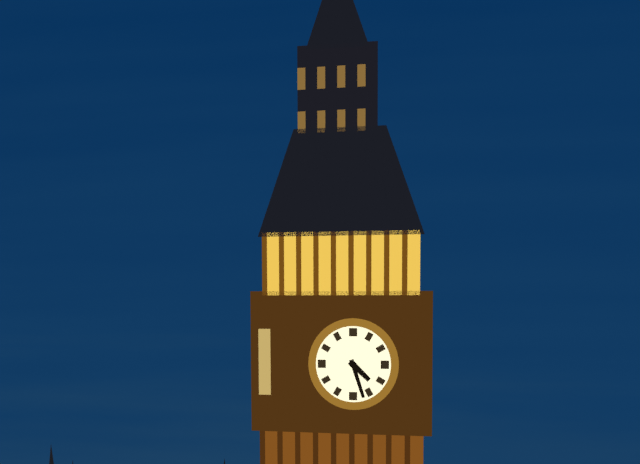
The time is h=4 m=27
